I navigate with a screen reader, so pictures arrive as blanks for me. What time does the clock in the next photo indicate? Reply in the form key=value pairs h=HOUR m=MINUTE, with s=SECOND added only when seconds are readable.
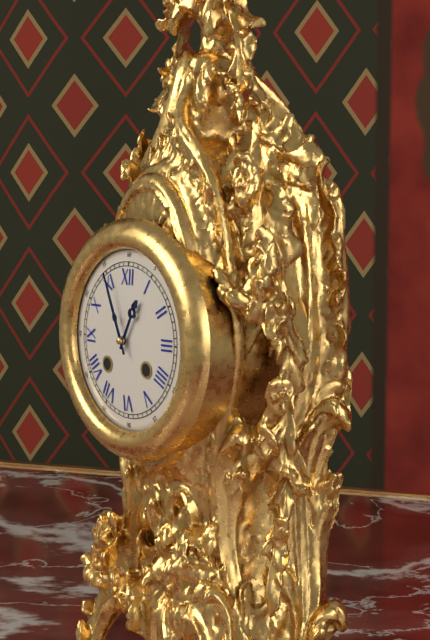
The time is h=12 m=56
